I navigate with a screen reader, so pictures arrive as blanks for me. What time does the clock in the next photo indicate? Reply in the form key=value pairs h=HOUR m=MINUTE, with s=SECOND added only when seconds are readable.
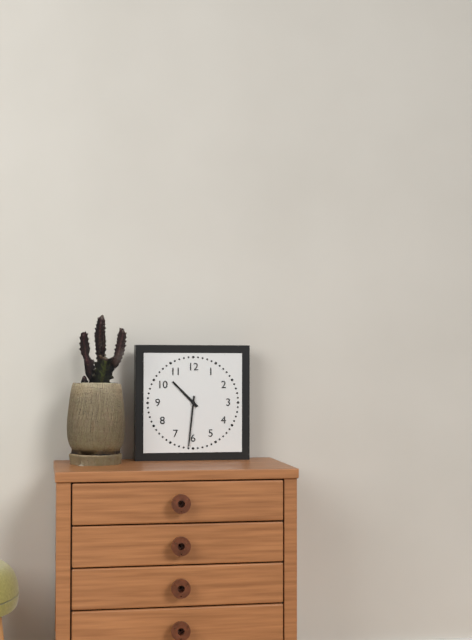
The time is h=10 m=31
